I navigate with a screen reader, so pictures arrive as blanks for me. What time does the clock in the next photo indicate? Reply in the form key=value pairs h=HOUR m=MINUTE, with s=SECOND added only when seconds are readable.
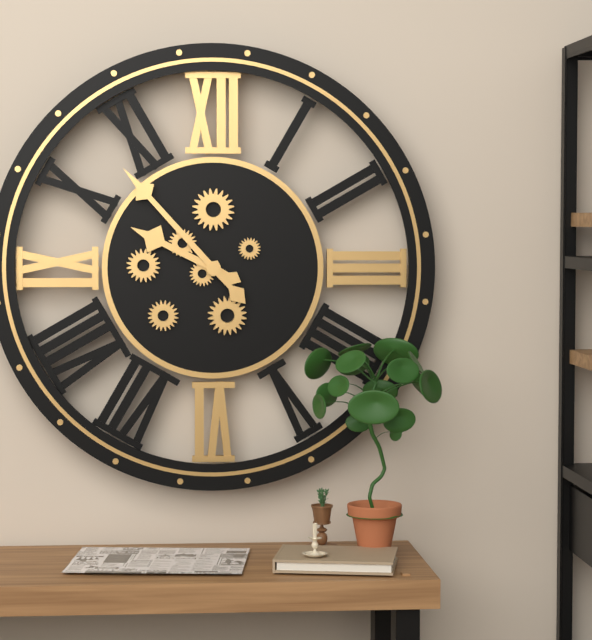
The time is h=9 m=53
